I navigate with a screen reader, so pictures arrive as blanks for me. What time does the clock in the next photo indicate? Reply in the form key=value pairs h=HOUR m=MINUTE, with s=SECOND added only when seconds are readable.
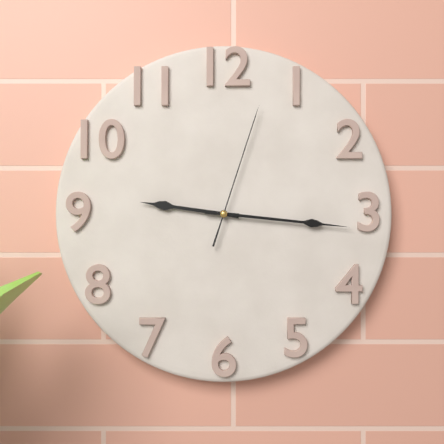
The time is h=9 m=16 s=3
